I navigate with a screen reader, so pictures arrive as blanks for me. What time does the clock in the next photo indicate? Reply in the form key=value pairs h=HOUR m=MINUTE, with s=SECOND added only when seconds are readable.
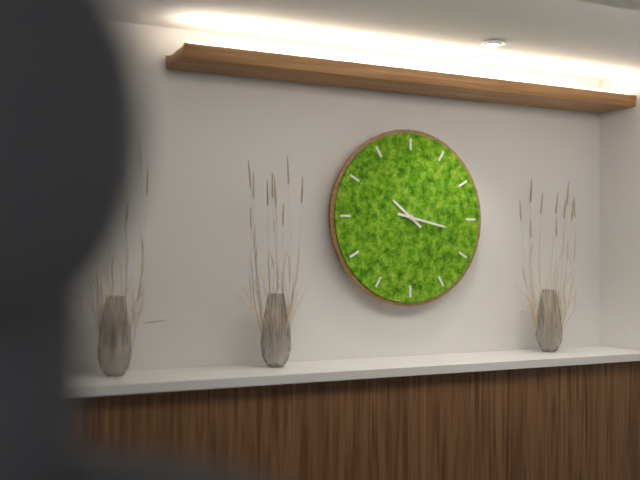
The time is h=10 m=17
